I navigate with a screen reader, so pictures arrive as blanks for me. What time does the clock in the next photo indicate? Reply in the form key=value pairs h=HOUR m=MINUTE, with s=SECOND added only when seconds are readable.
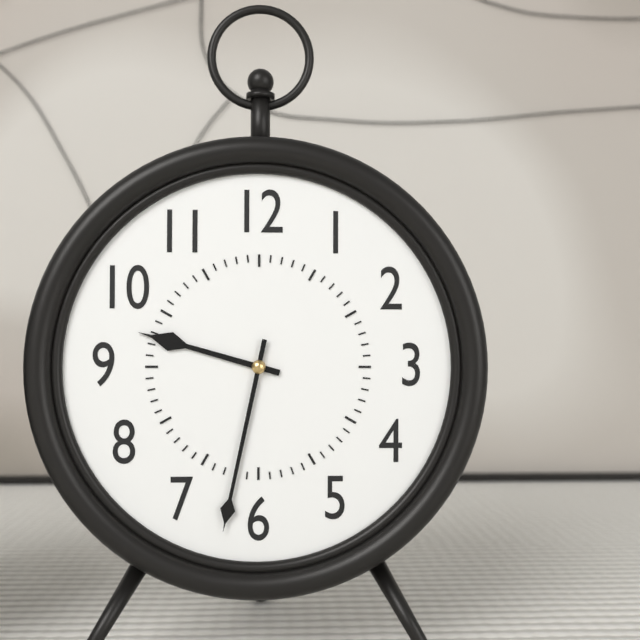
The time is h=9 m=32
